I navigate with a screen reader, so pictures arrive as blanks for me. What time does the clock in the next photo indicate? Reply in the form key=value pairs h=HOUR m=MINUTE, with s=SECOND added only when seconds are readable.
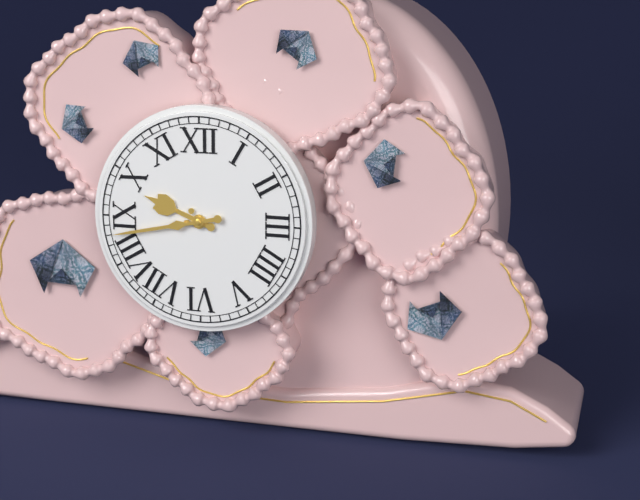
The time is h=9 m=43
